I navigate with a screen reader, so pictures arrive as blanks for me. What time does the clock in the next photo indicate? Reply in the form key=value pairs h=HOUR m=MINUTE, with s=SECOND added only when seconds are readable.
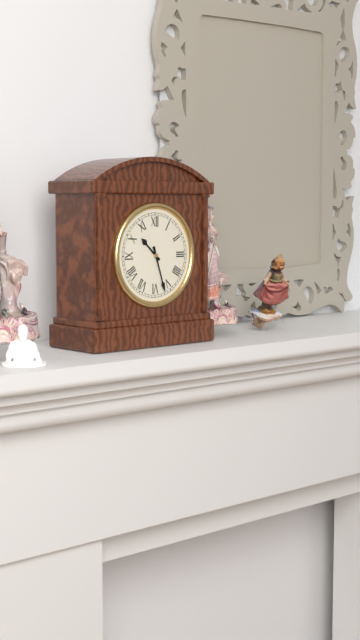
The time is h=10 m=27
